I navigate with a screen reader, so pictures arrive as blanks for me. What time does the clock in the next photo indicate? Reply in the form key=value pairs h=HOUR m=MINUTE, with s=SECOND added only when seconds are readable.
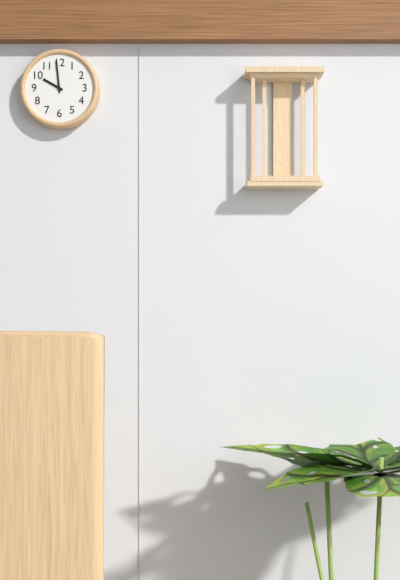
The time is h=9 m=59
